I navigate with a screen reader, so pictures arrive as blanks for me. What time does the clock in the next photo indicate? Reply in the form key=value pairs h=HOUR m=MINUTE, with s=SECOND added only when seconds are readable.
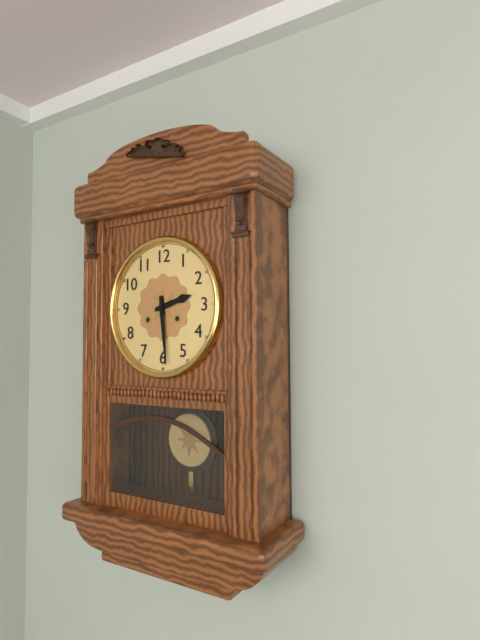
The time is h=2 m=29
